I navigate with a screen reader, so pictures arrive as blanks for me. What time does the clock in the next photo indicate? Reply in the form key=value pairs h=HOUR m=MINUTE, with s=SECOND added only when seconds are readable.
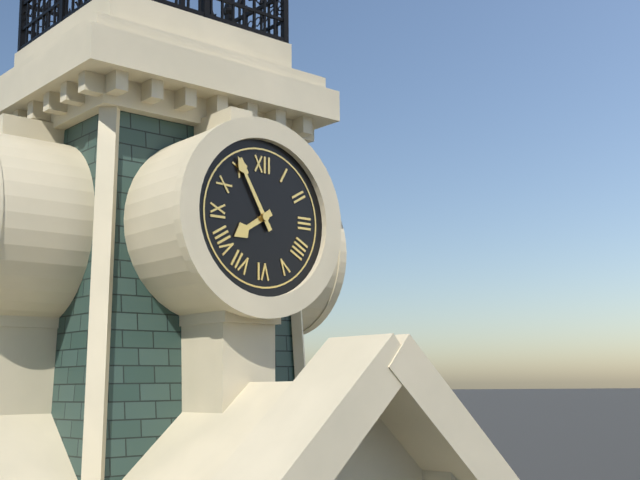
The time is h=7 m=55
